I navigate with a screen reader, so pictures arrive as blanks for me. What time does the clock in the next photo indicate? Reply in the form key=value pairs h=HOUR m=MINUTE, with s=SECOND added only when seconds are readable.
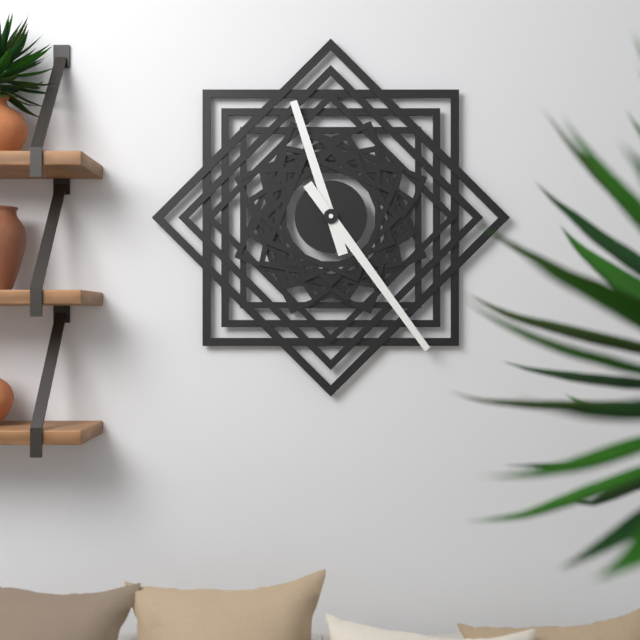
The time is h=11 m=24
